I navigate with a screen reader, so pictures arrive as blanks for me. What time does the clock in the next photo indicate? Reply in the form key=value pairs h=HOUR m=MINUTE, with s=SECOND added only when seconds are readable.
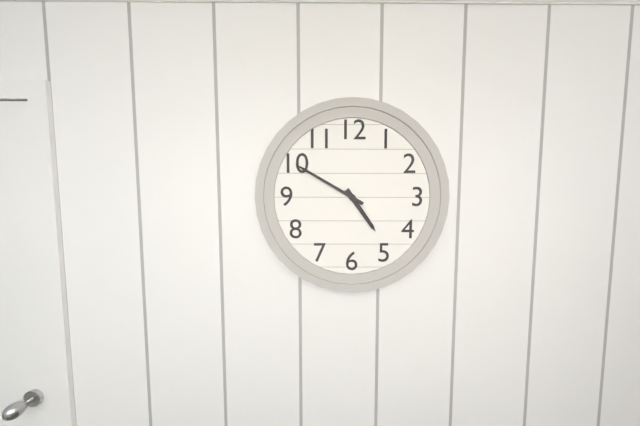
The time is h=4 m=50
